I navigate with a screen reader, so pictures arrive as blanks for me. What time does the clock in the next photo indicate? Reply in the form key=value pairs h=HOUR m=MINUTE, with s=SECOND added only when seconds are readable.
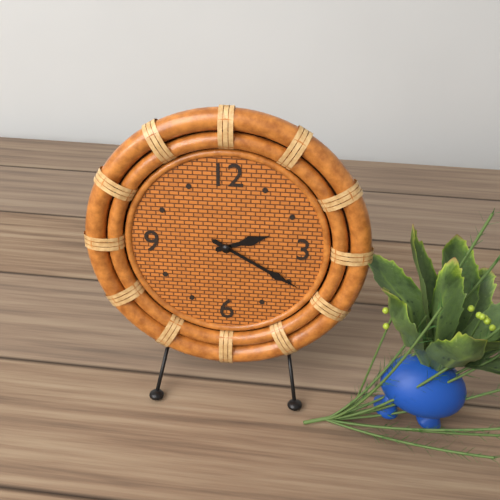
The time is h=2 m=20
